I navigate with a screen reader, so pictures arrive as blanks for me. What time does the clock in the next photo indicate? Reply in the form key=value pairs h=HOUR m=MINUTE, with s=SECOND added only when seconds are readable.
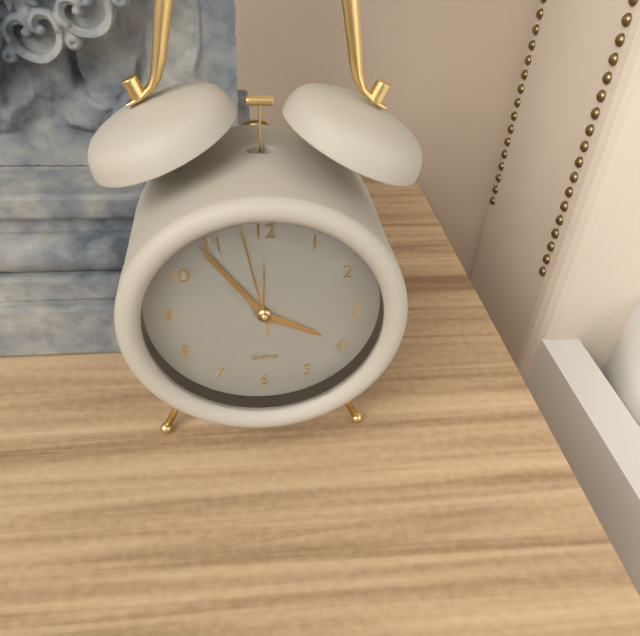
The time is h=3 m=54 s=58
